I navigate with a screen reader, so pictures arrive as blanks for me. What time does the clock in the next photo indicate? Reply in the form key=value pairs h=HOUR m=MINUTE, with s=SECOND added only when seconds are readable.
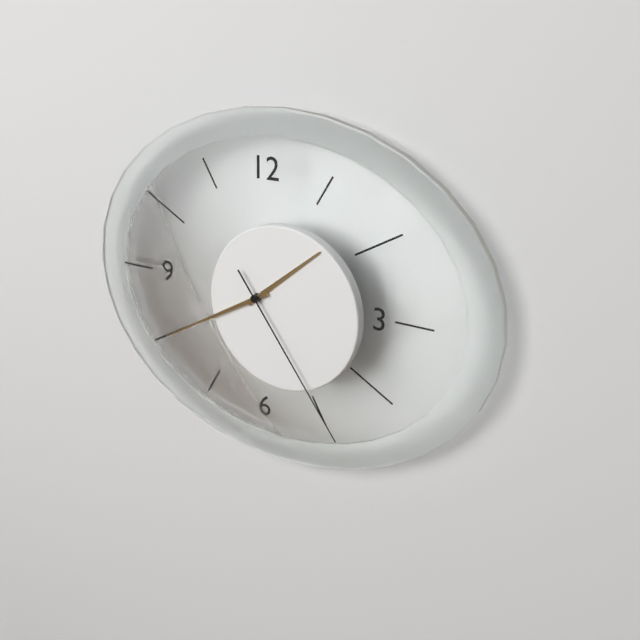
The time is h=1 m=40 s=24
